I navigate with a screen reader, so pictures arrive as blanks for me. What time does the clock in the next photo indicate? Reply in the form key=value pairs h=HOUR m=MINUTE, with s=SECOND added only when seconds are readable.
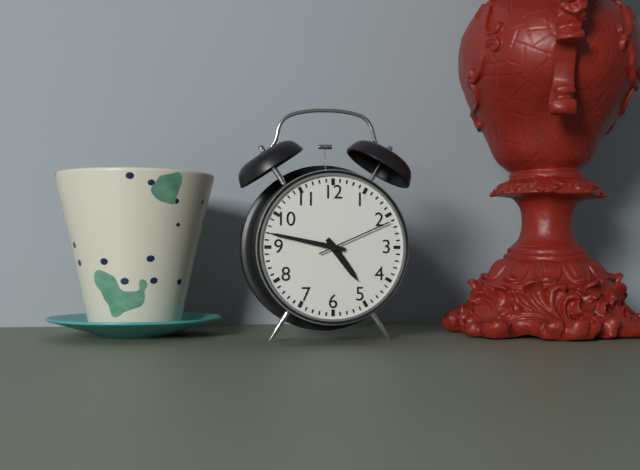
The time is h=4 m=47 s=11
